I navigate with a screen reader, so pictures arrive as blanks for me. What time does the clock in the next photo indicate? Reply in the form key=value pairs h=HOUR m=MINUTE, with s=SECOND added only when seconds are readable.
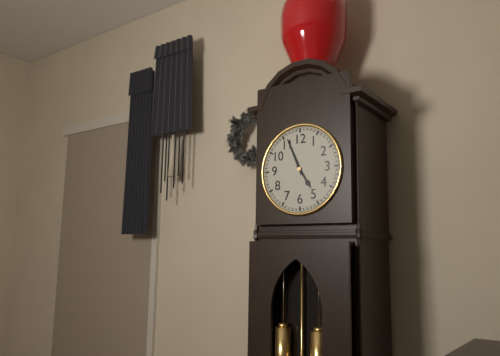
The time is h=4 m=56
